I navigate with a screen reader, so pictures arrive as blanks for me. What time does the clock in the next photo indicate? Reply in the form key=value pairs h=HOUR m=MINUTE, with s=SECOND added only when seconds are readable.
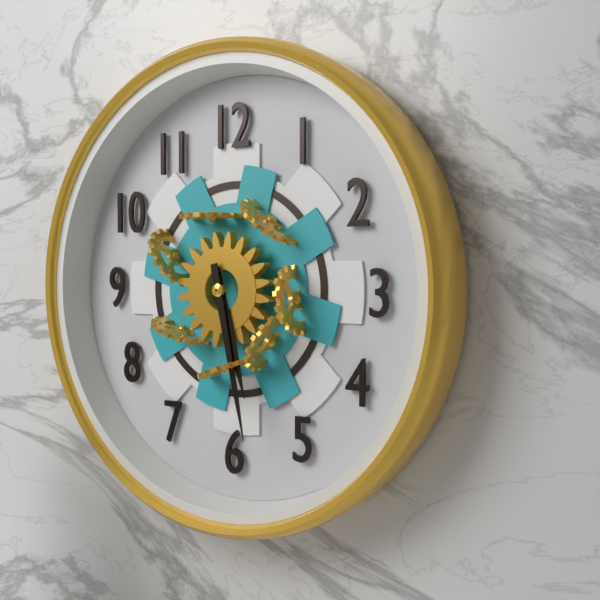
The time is h=5 m=28
